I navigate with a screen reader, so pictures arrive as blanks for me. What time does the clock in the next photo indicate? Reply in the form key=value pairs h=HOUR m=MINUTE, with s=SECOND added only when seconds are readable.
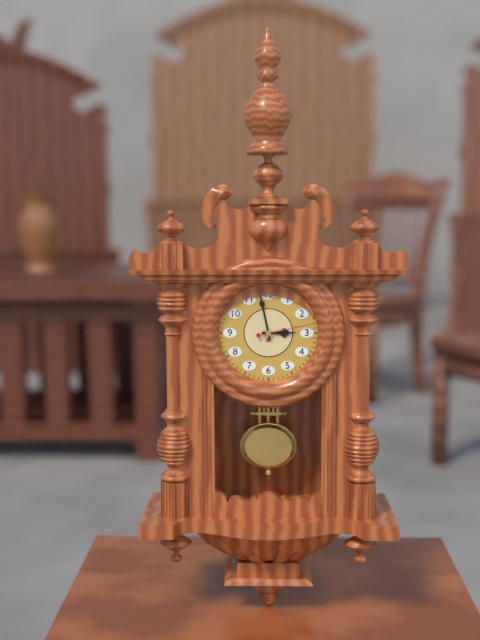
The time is h=2 m=58 s=13
